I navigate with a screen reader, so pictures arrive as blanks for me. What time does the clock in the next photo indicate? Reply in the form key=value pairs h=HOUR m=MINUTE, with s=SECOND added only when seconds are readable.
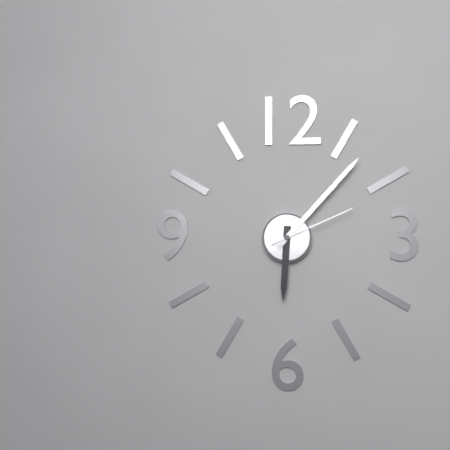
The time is h=6 m=7 s=11
